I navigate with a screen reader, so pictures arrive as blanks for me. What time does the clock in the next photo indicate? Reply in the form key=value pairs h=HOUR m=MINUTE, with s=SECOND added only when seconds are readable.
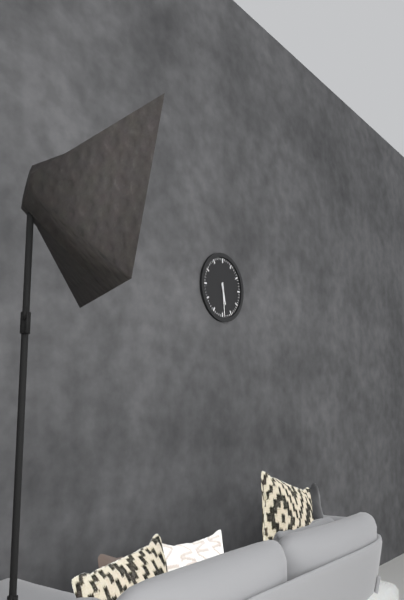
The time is h=5 m=29
